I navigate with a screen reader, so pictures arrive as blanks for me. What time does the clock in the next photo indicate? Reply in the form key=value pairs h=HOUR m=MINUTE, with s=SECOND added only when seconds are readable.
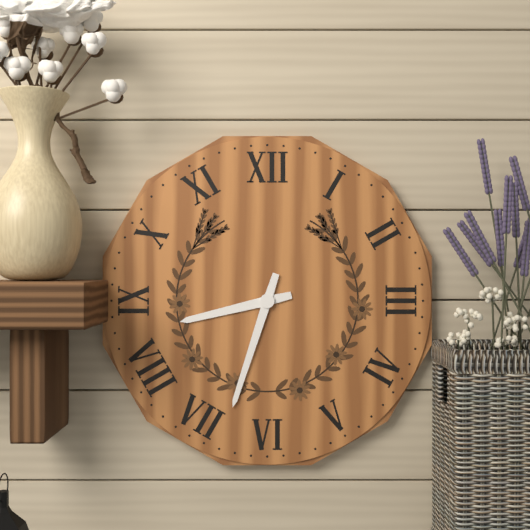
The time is h=8 m=33
